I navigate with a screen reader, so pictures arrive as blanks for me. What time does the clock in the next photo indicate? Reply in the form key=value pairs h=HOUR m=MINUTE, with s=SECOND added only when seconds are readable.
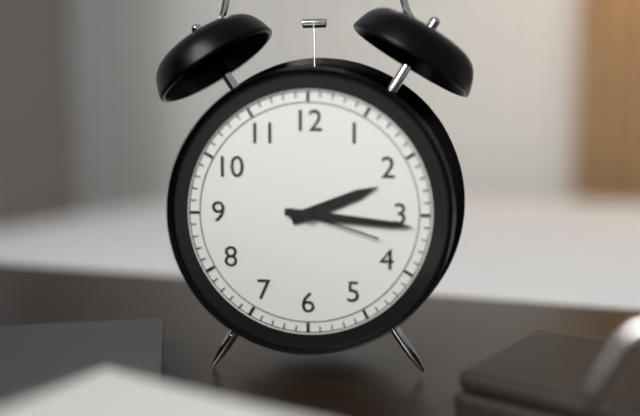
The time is h=2 m=16 s=18
